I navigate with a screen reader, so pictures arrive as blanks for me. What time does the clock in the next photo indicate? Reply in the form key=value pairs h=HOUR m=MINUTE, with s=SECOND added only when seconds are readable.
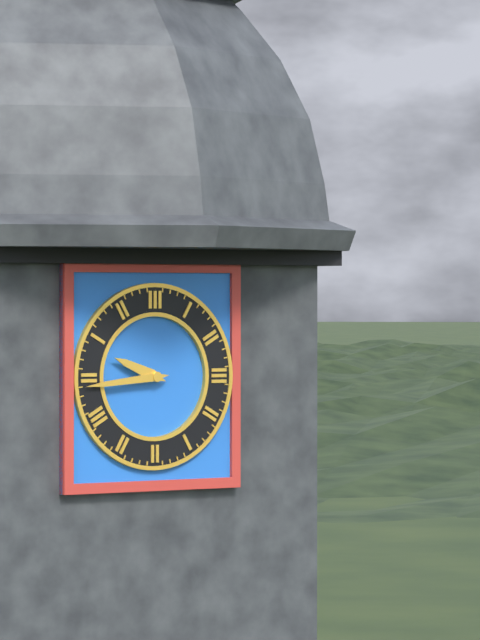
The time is h=9 m=44
